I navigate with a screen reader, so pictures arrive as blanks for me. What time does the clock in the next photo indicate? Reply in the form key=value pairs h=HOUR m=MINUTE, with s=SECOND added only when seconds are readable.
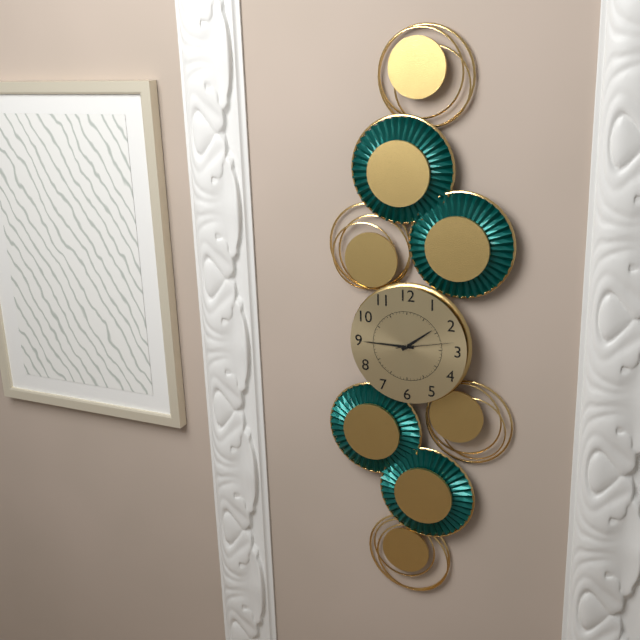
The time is h=1 m=45 s=13
